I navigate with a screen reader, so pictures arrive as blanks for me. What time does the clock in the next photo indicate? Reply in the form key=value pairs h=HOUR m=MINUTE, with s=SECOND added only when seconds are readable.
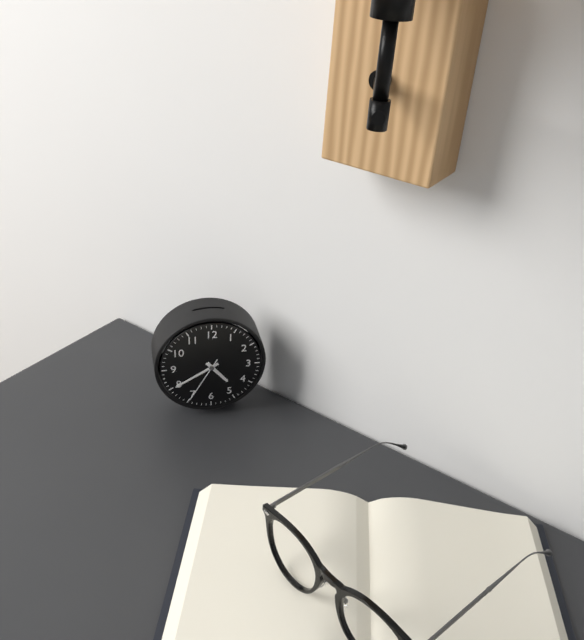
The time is h=4 m=40
